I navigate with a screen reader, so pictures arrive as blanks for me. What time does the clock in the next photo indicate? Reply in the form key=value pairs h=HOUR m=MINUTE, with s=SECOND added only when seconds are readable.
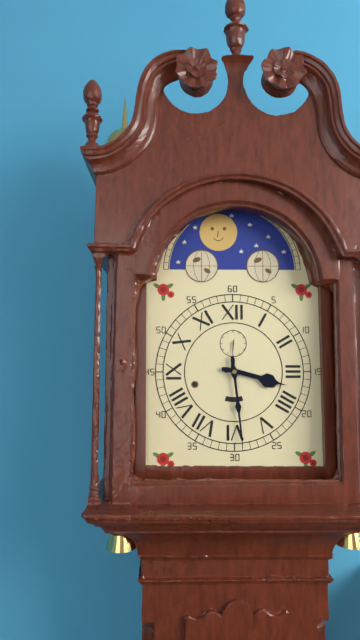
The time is h=3 m=29
